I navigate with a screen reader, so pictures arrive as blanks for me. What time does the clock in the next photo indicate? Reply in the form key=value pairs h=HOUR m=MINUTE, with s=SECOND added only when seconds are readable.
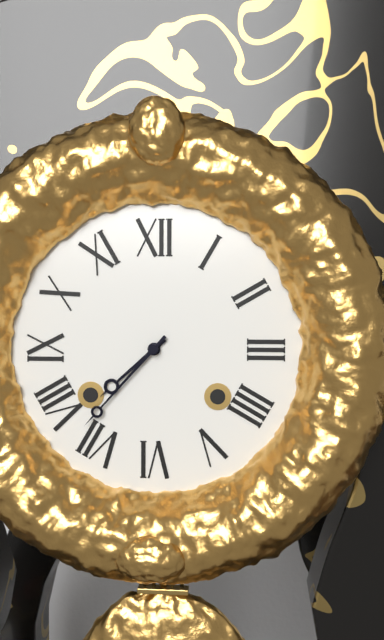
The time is h=7 m=37
